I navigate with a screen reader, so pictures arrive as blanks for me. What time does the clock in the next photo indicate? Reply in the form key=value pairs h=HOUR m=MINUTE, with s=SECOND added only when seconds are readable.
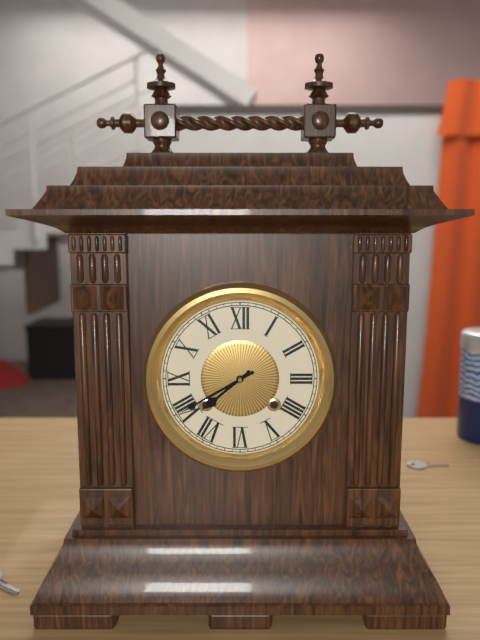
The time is h=7 m=40
